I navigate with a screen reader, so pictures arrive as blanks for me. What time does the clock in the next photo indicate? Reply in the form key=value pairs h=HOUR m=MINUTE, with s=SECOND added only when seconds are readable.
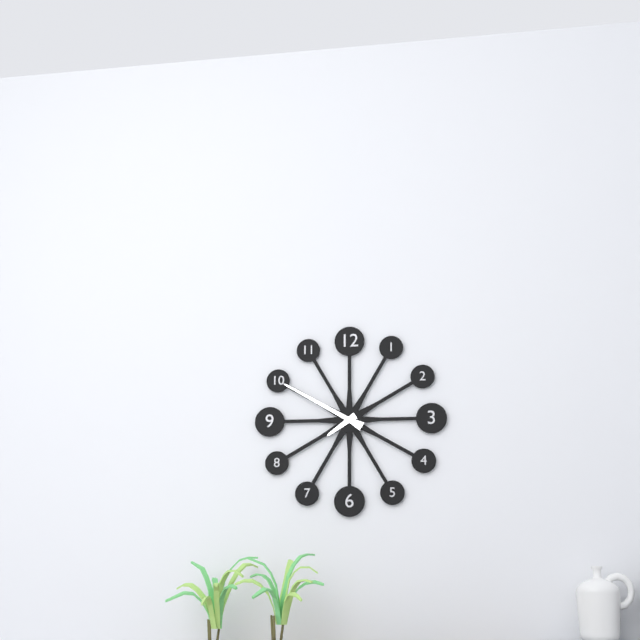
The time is h=7 m=50
